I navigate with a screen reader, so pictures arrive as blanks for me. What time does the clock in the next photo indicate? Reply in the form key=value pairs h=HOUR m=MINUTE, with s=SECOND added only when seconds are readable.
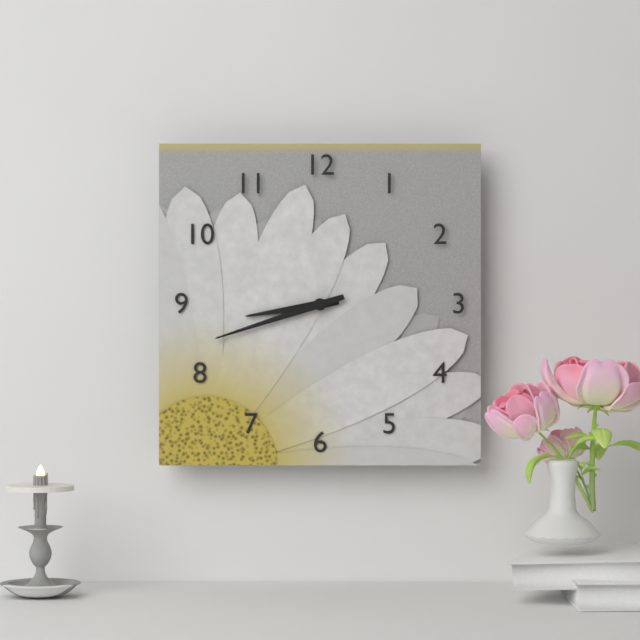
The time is h=8 m=42
